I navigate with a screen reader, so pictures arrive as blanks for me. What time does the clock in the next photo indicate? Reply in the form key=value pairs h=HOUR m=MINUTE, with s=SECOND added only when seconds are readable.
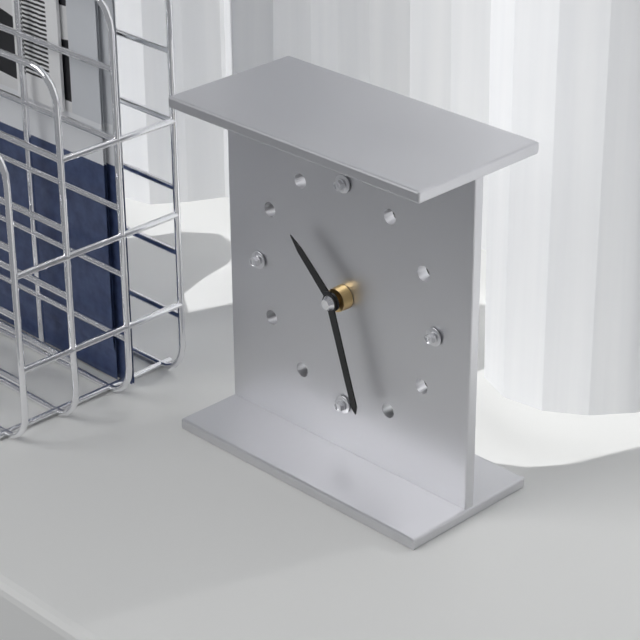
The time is h=10 m=27
